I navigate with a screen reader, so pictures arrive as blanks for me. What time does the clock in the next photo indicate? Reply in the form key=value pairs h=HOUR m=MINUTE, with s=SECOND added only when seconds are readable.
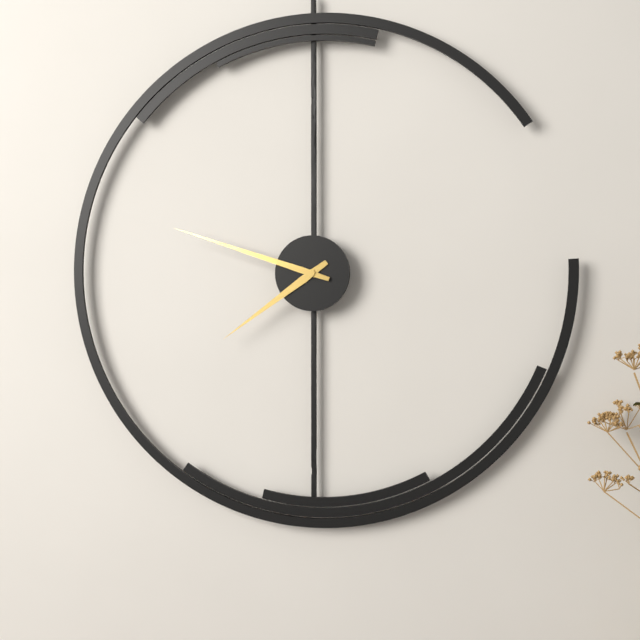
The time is h=7 m=48
